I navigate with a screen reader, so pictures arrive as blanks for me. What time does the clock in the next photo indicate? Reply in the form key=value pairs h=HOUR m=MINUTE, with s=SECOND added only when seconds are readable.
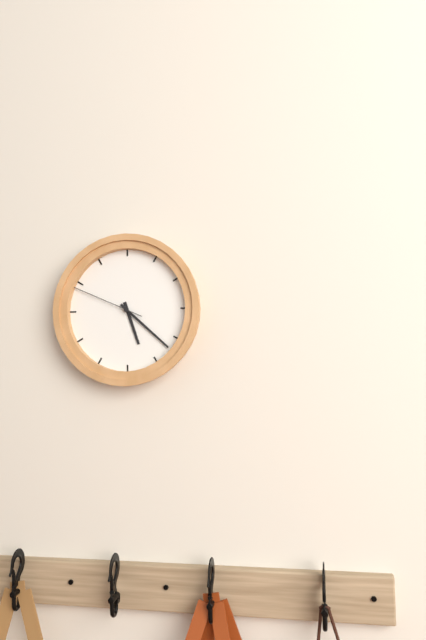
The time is h=5 m=22 s=49
